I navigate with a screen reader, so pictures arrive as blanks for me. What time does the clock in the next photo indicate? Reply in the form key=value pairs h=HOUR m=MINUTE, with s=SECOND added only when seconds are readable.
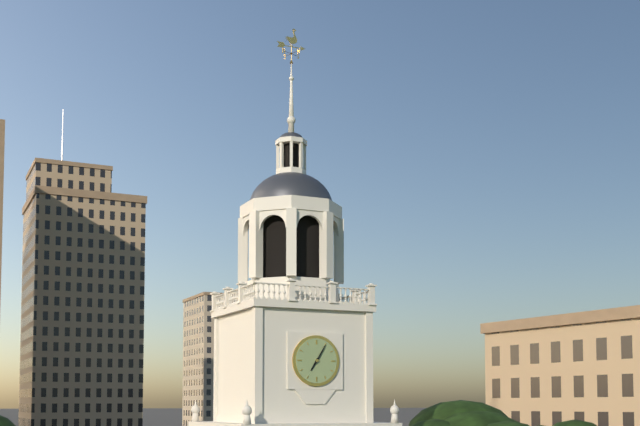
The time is h=7 m=5
